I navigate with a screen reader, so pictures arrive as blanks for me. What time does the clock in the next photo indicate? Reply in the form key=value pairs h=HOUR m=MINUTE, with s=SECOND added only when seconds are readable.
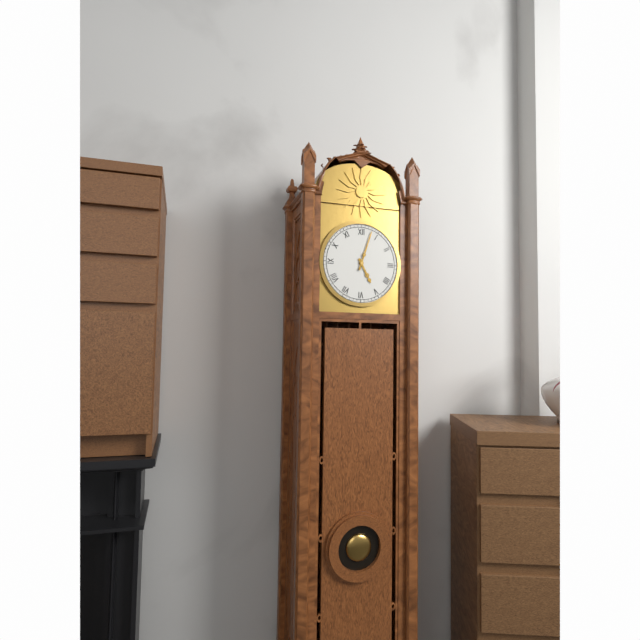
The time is h=5 m=3
